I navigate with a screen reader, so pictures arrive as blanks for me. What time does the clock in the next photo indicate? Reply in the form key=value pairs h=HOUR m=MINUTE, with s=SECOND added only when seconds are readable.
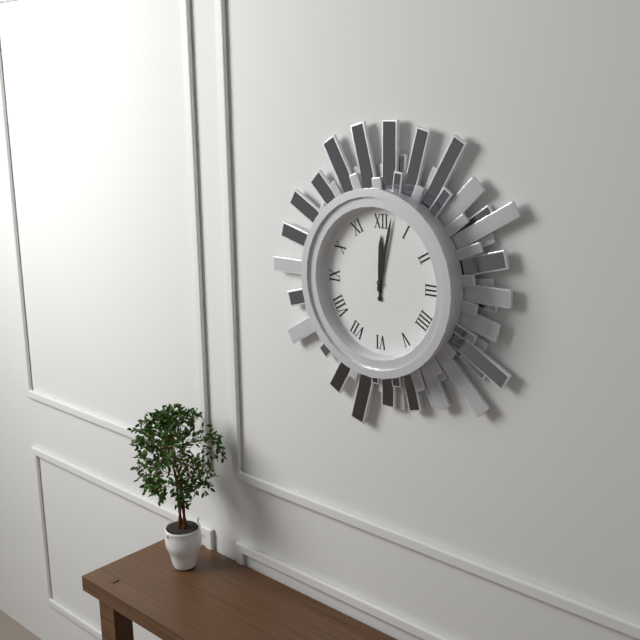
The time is h=12 m=2
